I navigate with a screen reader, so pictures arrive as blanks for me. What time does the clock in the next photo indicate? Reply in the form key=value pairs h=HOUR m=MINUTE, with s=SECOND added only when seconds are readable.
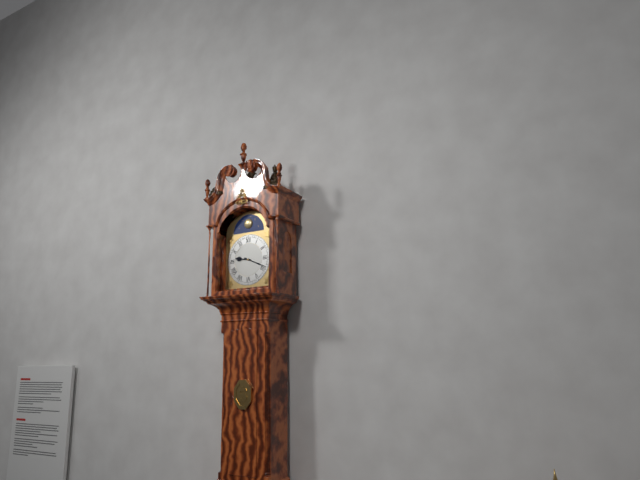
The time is h=9 m=19
